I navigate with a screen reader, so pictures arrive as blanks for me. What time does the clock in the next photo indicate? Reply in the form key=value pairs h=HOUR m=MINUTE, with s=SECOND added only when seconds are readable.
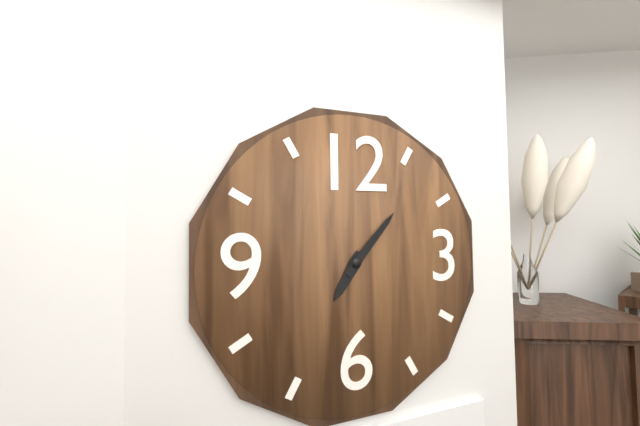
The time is h=7 m=7
